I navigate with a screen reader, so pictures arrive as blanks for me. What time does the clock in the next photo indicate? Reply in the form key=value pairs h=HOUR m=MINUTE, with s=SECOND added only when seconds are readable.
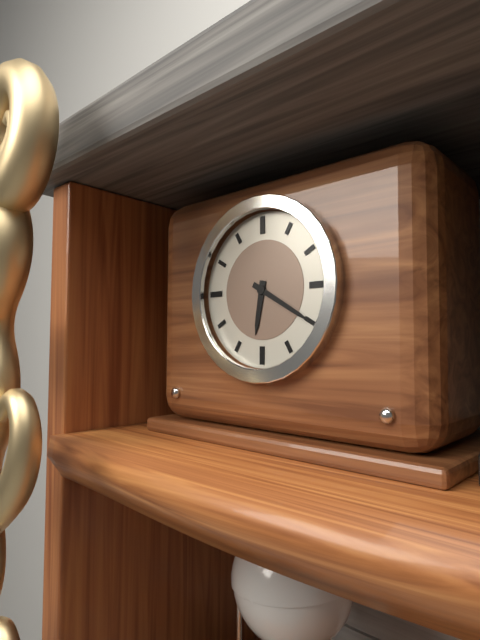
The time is h=6 m=20
